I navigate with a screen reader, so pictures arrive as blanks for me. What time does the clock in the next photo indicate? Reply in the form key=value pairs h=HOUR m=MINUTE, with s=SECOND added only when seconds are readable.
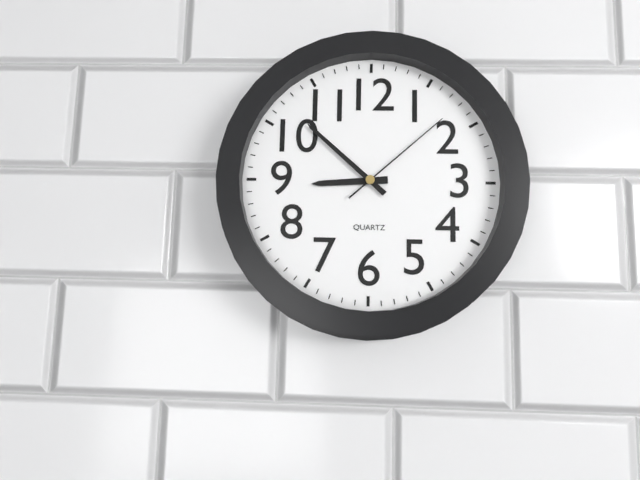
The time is h=8 m=52 s=8
